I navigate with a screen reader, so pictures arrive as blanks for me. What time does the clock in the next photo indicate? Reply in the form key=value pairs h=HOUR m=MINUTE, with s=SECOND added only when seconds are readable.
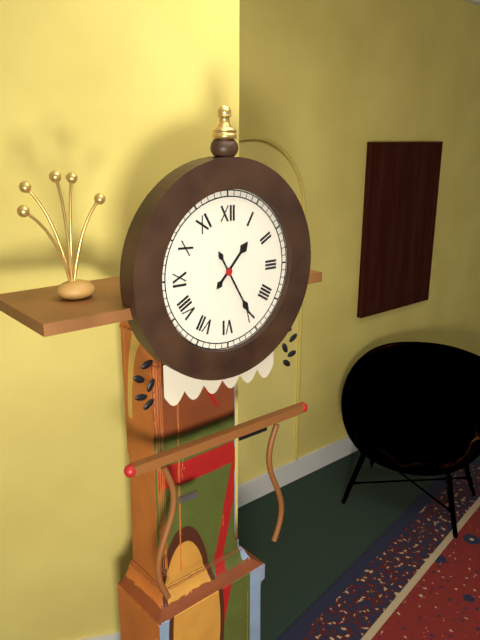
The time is h=1 m=25
